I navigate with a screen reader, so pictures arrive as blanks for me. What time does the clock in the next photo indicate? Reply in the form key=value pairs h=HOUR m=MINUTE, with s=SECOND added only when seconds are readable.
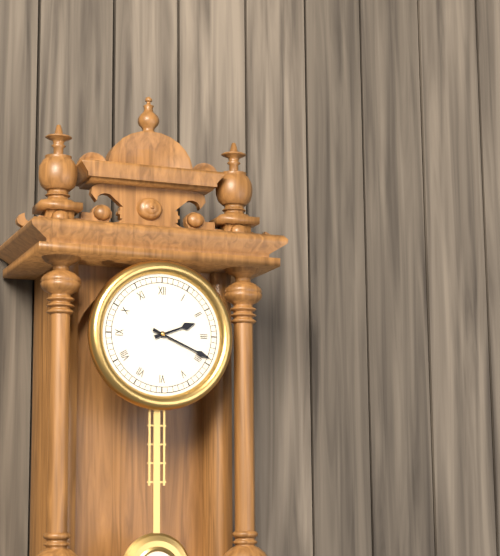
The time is h=2 m=19
